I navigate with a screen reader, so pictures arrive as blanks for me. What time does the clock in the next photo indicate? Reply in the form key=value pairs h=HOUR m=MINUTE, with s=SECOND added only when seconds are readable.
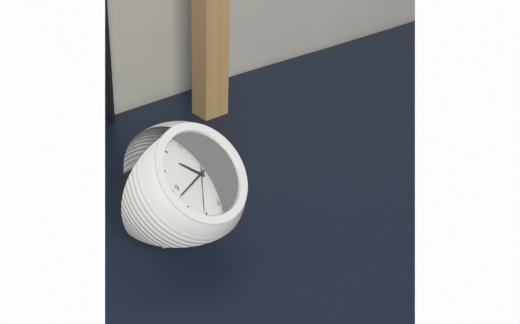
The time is h=10 m=43
